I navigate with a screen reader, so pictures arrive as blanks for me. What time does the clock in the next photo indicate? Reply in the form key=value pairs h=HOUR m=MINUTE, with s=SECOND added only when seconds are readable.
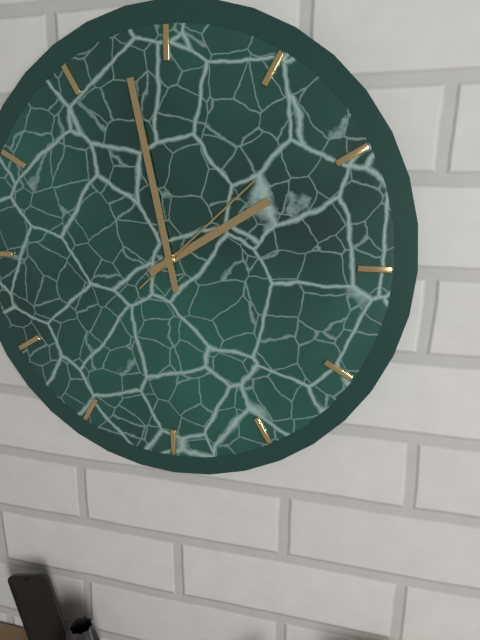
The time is h=1 m=58 s=8
